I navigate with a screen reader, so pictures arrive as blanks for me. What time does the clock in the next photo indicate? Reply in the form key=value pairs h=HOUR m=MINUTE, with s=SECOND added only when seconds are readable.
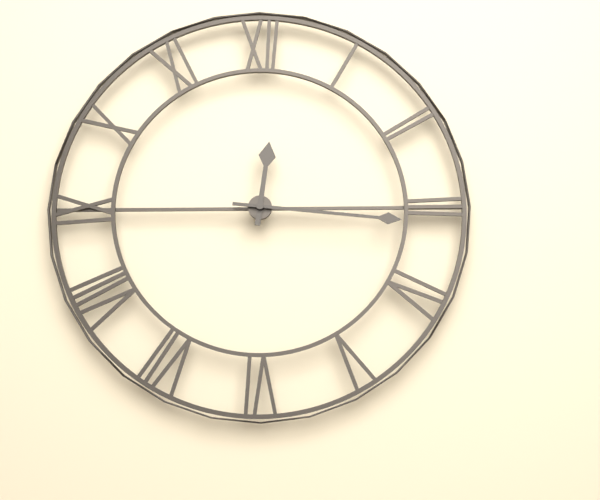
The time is h=12 m=16
